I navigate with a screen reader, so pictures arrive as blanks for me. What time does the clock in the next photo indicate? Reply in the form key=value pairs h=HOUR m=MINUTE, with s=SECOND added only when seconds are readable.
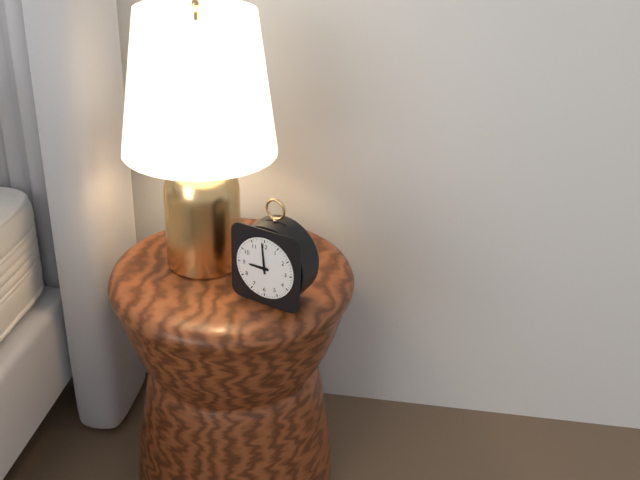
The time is h=8 m=59
